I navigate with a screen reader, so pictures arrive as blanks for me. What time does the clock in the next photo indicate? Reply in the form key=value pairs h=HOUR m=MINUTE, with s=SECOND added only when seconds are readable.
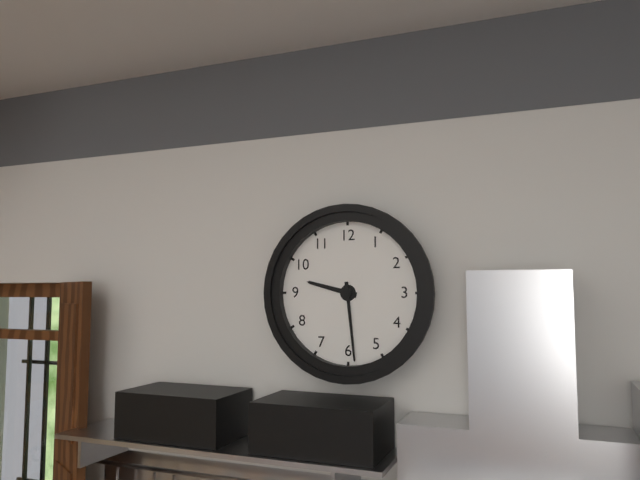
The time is h=9 m=29
